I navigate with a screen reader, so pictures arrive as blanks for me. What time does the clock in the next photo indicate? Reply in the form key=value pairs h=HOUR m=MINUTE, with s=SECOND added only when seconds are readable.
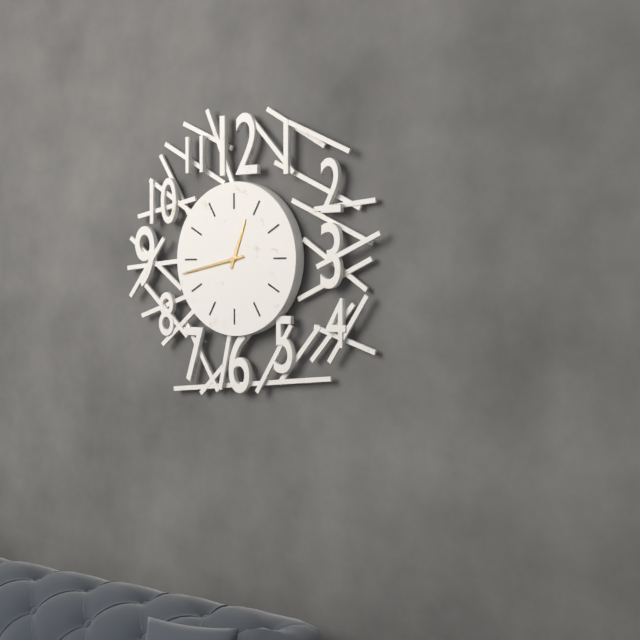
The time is h=12 m=43
